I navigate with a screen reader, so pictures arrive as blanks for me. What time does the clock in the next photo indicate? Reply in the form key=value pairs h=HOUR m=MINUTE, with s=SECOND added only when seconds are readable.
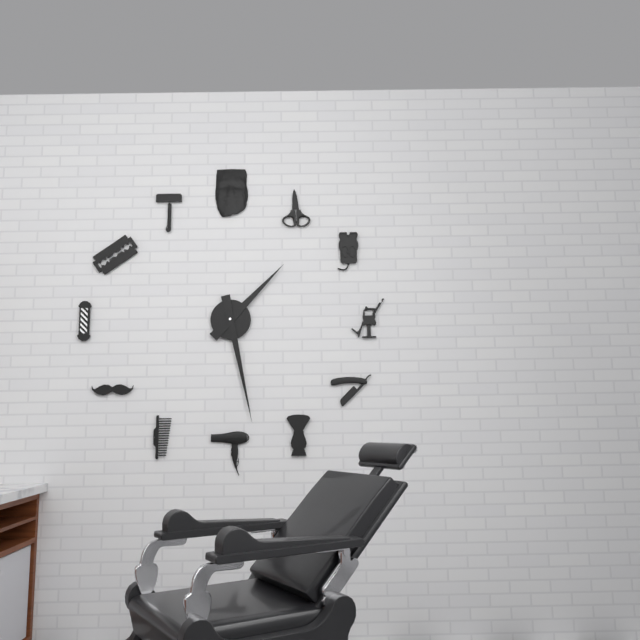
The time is h=1 m=28
